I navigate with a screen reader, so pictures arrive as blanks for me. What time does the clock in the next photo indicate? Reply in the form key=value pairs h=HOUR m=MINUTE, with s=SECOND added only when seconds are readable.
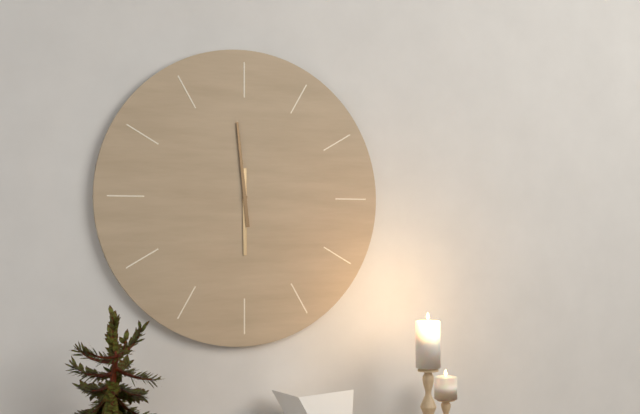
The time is h=5 m=59
